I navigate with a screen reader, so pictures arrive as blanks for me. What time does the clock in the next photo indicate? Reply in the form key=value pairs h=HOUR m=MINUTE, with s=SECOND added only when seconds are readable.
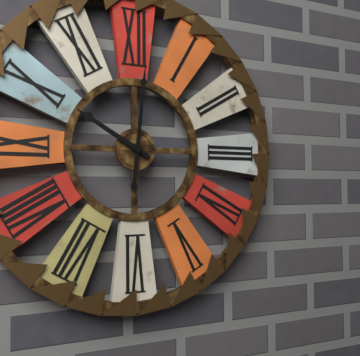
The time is h=10 m=1
